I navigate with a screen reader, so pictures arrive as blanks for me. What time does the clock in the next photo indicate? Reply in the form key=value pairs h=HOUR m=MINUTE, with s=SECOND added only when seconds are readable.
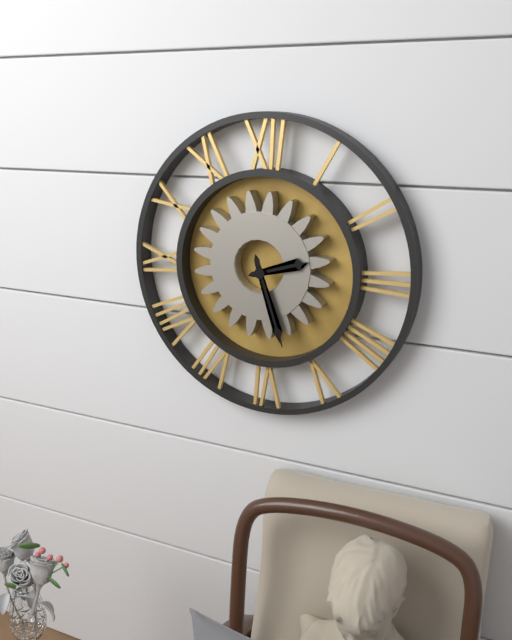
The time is h=2 m=27
